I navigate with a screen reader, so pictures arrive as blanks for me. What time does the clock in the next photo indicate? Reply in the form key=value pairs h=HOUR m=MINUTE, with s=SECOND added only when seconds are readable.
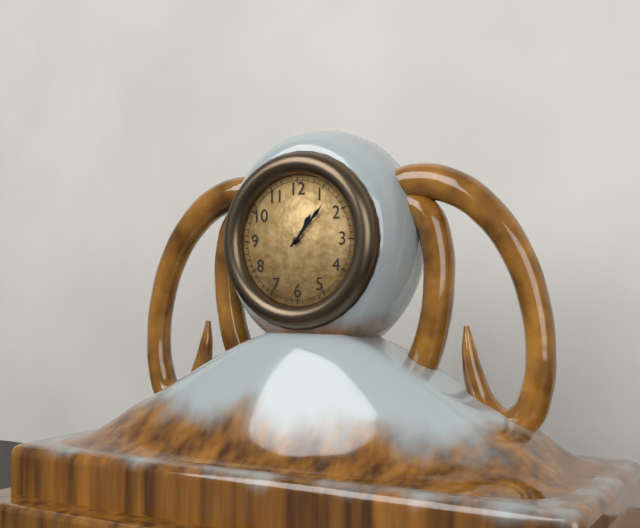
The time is h=1 m=7
